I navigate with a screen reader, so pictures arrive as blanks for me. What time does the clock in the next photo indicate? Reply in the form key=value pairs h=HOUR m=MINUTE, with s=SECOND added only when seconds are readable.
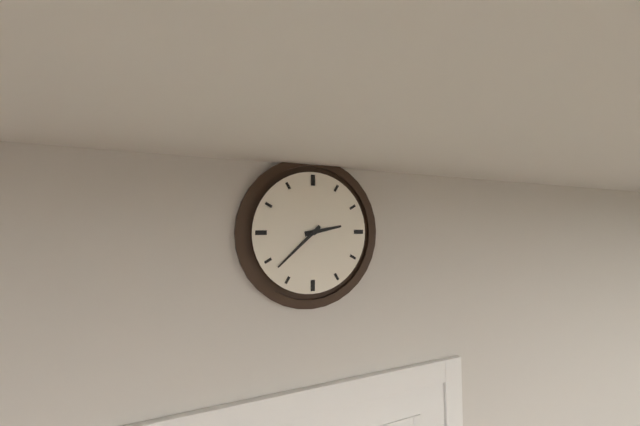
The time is h=2 m=38
